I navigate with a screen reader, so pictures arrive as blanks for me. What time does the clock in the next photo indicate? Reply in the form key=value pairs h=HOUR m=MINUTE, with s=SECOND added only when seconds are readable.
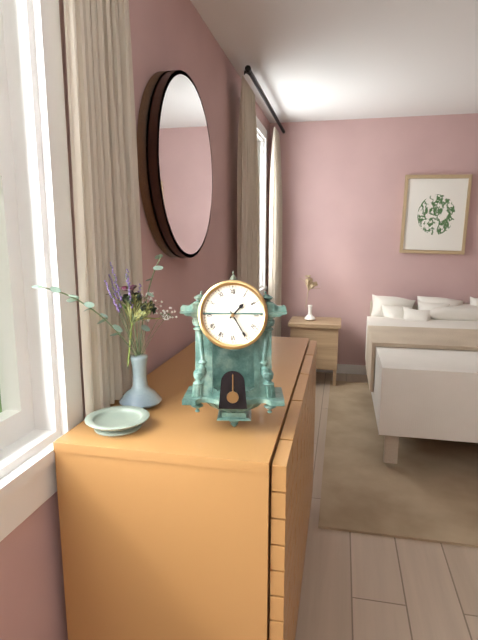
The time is h=1 m=25
